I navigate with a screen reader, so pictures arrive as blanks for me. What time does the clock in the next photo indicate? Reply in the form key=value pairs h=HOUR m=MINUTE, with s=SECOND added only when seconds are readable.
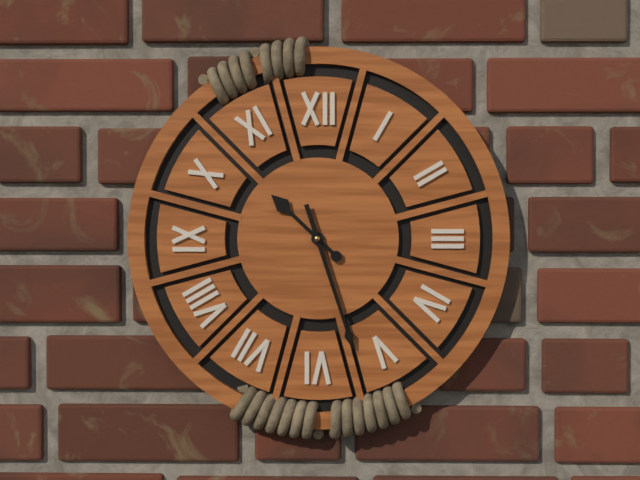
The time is h=10 m=27
